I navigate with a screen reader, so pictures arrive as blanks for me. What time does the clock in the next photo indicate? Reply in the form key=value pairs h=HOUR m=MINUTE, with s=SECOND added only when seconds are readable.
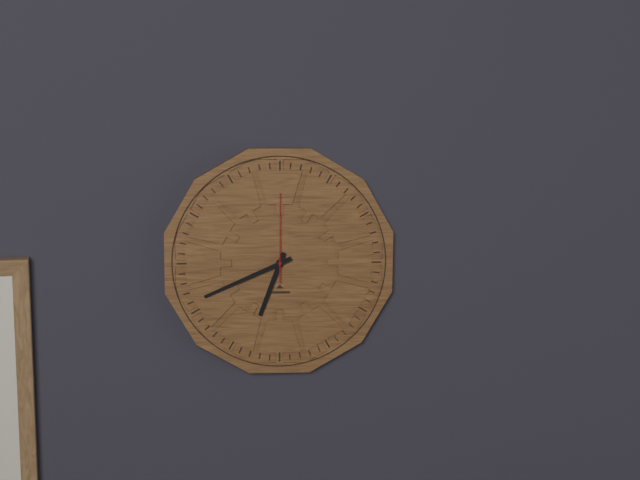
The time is h=6 m=41 s=0
